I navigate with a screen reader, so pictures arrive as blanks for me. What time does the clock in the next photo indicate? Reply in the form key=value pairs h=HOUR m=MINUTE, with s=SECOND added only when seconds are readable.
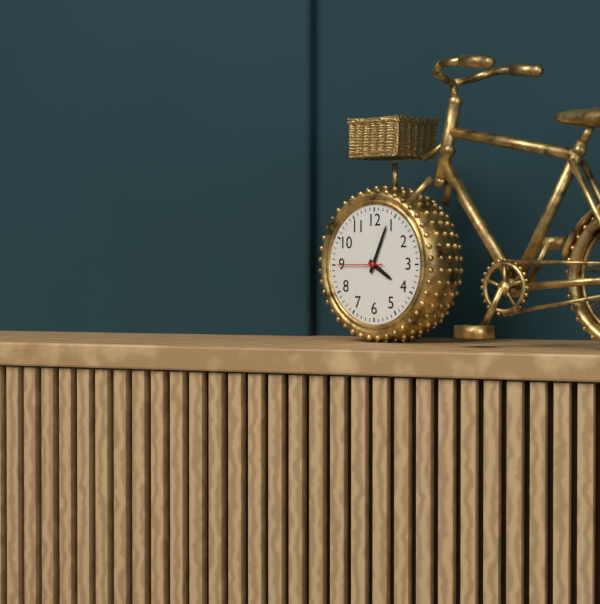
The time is h=4 m=4
